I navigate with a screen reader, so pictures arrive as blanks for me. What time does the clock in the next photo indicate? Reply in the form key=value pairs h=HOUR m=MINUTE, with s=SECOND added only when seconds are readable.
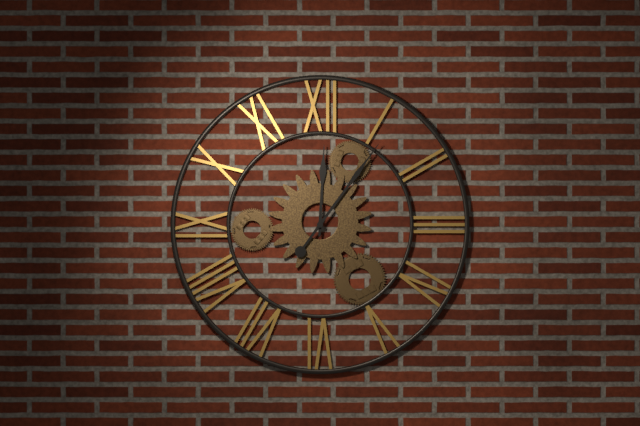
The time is h=12 m=6
